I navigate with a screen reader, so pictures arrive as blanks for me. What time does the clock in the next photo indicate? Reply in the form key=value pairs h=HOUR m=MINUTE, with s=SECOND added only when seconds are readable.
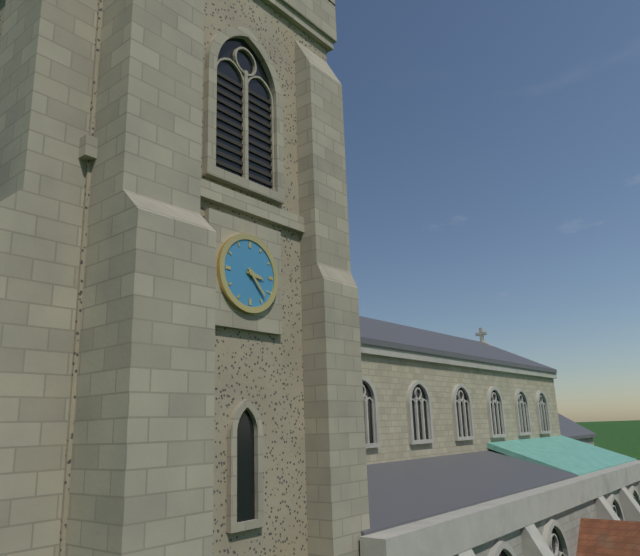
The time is h=3 m=23
